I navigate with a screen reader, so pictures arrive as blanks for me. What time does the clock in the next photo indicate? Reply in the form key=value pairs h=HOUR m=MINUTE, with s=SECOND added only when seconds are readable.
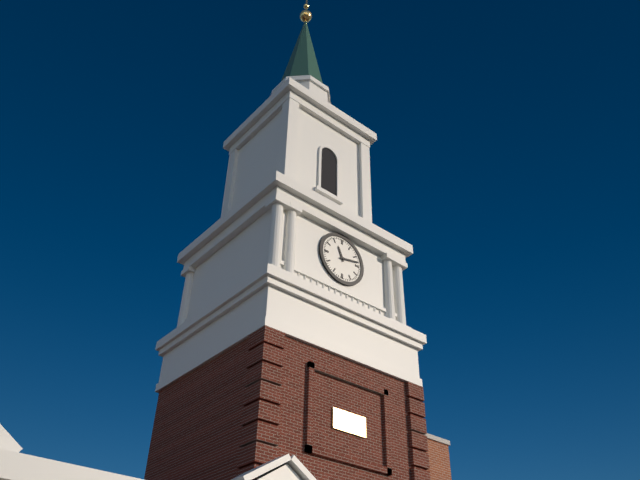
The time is h=11 m=13
